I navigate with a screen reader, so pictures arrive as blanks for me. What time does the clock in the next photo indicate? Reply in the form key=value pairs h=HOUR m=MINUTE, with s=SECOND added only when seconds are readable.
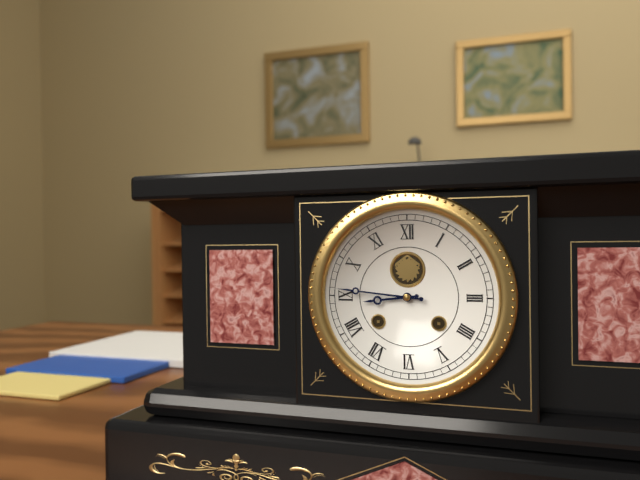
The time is h=8 m=46
